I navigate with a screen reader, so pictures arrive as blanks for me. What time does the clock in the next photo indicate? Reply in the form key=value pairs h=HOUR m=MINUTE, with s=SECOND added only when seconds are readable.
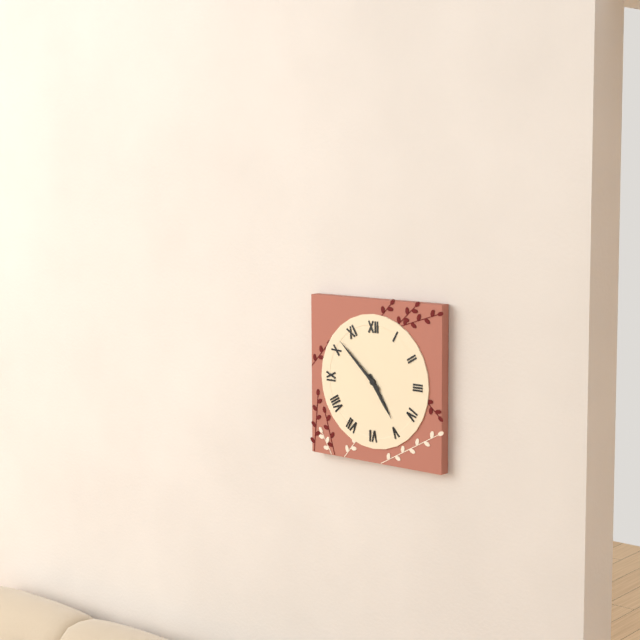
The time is h=4 m=52
